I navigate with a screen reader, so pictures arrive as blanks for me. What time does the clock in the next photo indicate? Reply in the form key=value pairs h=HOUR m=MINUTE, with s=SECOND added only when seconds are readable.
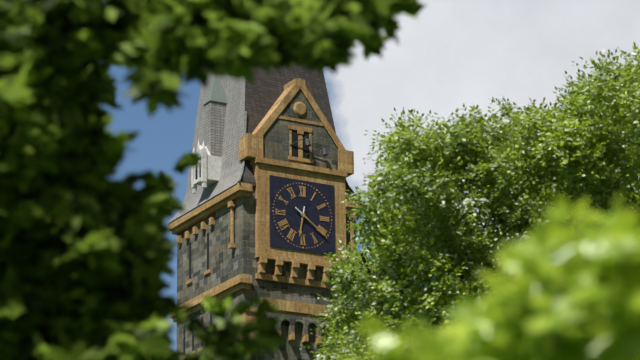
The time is h=6 m=21
